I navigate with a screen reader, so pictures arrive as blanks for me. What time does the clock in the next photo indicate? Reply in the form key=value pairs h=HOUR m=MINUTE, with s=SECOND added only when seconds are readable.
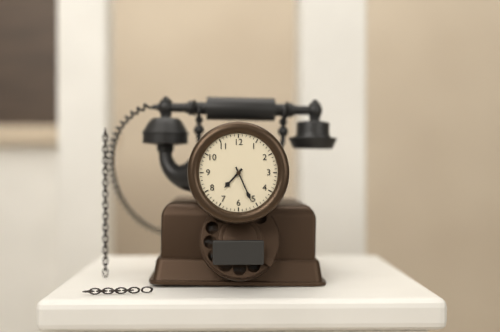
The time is h=7 m=26
